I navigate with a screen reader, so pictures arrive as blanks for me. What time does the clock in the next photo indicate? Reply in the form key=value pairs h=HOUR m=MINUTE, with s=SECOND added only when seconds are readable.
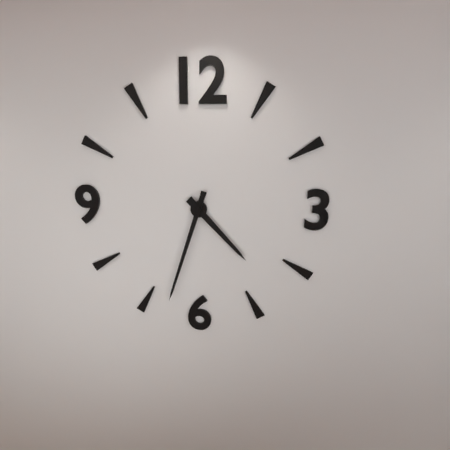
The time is h=4 m=33
